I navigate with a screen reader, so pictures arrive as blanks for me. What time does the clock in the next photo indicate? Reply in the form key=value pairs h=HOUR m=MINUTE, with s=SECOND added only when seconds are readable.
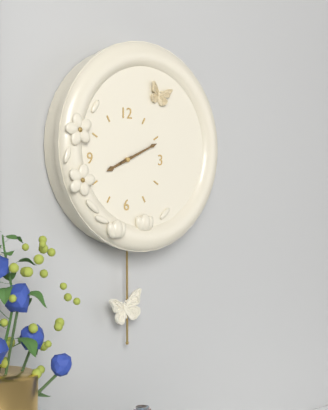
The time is h=8 m=11
